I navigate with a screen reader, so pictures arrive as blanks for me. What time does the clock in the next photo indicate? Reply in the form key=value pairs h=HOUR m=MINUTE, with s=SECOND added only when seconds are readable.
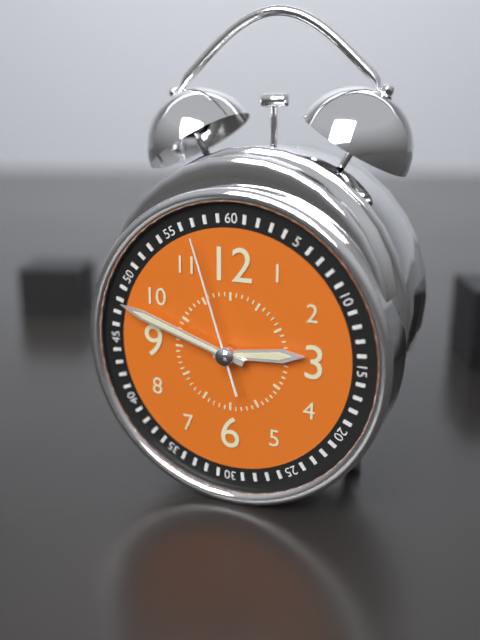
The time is h=2 m=48 s=57
